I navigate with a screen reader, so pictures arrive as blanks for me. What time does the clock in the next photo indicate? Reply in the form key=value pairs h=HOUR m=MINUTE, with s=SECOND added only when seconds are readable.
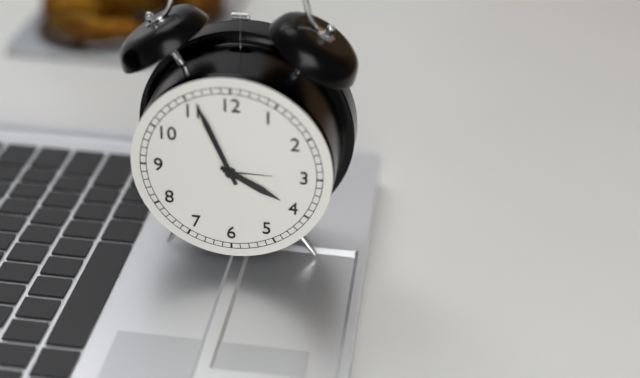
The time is h=3 m=56
